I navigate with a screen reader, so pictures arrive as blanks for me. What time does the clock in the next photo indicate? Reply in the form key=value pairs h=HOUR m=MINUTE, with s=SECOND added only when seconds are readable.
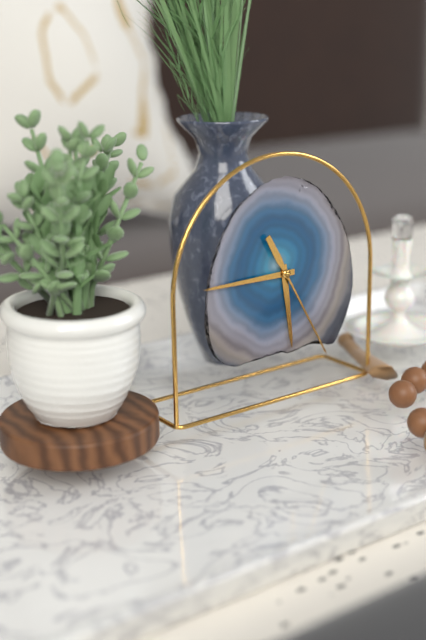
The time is h=5 m=45 s=25
